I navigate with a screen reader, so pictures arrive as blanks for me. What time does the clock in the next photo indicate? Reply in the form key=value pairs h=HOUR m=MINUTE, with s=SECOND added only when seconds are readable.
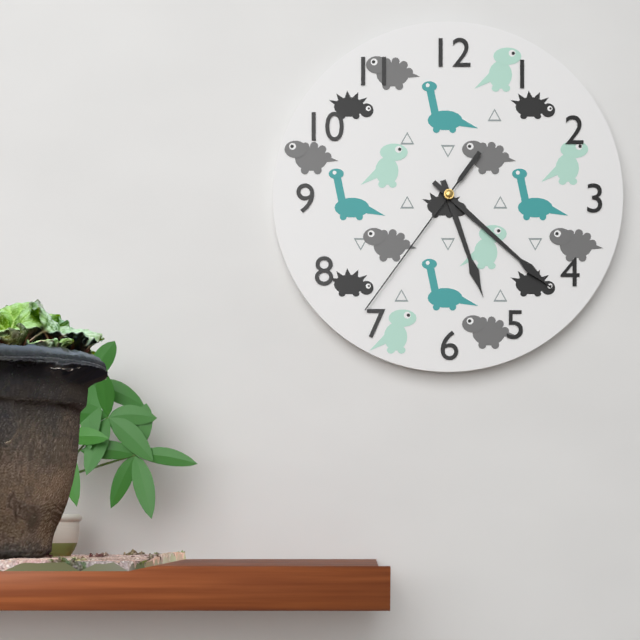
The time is h=5 m=22 s=36
